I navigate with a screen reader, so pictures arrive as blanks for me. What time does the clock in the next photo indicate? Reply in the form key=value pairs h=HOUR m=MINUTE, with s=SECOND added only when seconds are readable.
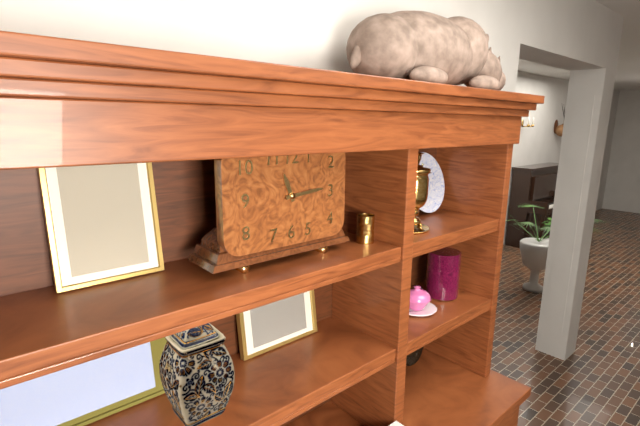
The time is h=11 m=14
